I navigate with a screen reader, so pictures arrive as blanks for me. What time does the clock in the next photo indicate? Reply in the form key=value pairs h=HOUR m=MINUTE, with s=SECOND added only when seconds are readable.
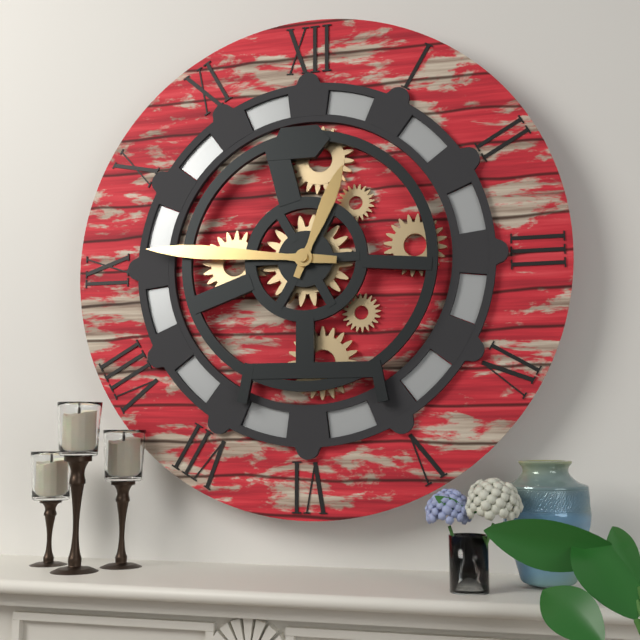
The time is h=12 m=46
